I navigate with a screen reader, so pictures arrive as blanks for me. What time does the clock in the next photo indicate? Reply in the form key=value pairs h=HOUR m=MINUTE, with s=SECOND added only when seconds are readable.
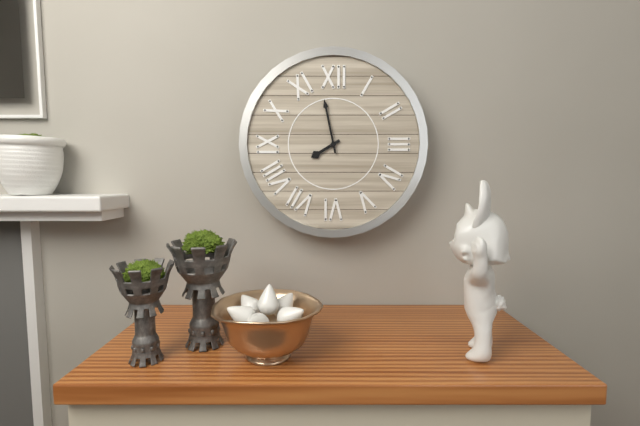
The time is h=7 m=58
